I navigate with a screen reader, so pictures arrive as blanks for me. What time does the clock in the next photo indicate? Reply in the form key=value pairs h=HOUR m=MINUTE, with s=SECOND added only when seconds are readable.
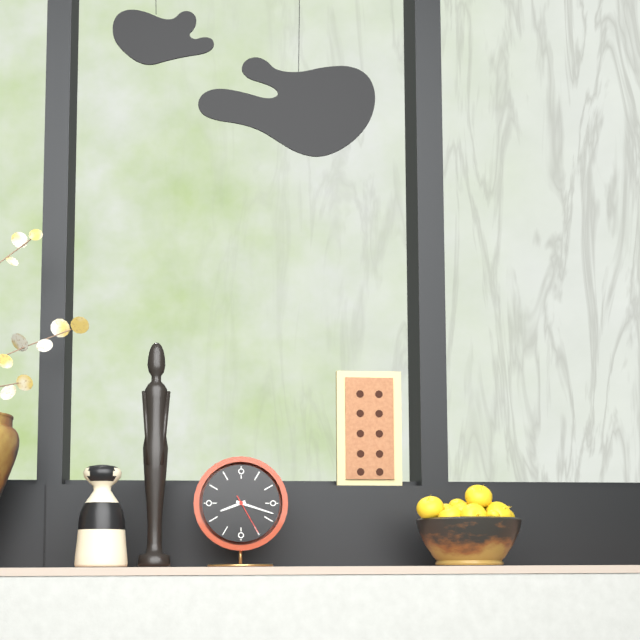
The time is h=8 m=18
